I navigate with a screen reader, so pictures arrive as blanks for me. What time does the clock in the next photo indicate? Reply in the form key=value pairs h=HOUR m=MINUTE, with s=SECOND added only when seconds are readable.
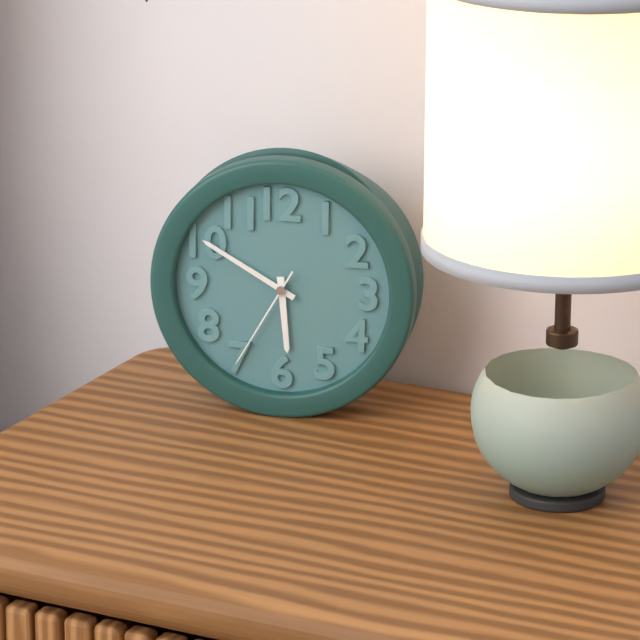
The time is h=5 m=50 s=35
